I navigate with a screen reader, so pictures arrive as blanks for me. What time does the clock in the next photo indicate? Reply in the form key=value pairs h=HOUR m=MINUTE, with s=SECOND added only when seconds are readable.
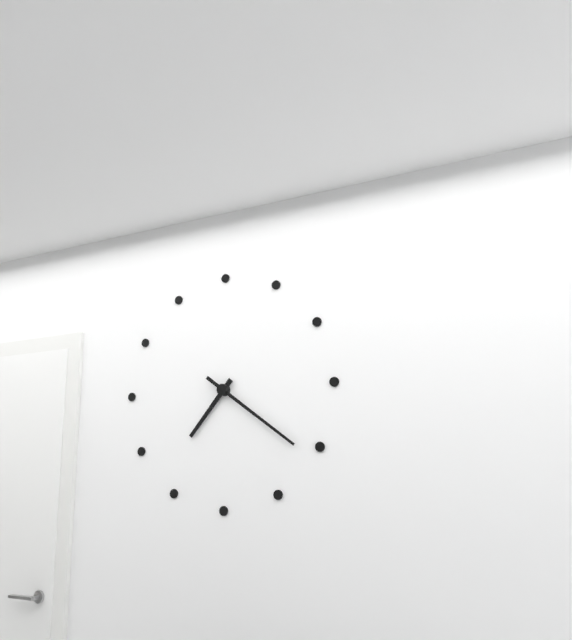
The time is h=7 m=21
